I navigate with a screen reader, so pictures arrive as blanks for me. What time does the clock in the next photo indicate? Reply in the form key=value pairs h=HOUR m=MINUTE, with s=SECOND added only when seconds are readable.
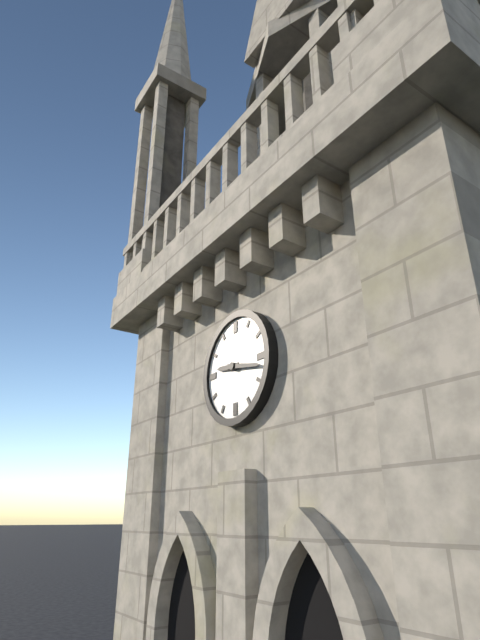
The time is h=9 m=17
